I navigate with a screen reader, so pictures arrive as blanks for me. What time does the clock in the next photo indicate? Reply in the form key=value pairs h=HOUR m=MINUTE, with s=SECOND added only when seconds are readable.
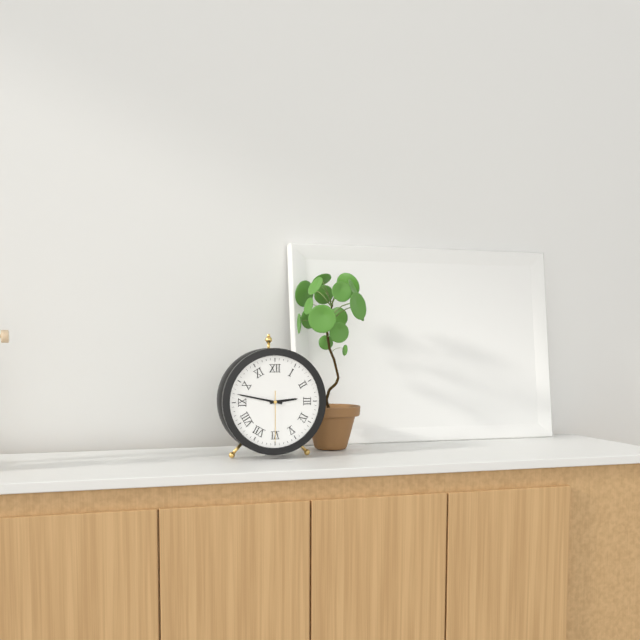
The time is h=2 m=47 s=30
